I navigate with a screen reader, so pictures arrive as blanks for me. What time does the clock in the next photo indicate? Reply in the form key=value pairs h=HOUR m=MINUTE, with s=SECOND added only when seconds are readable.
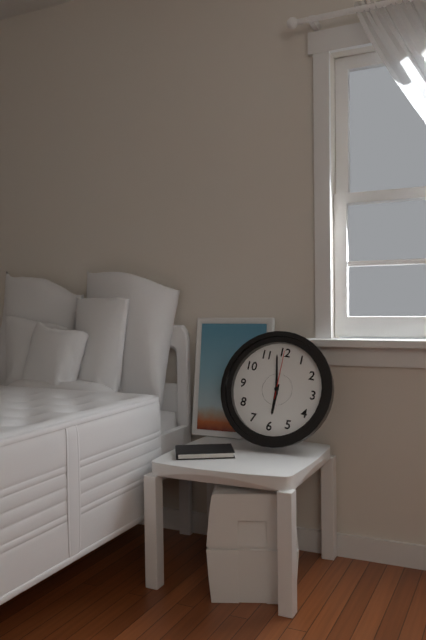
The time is h=5 m=58 s=0
